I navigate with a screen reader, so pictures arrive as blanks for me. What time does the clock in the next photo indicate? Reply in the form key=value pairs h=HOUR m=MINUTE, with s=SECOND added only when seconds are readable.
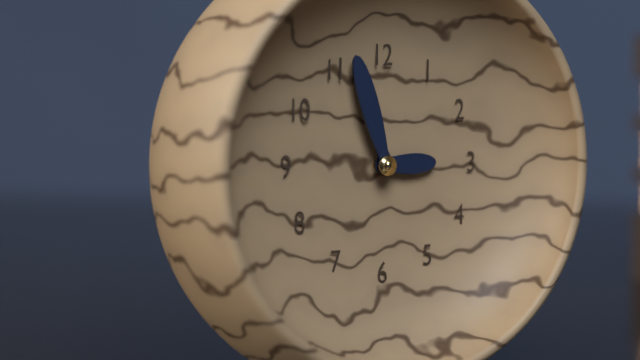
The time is h=2 m=57
